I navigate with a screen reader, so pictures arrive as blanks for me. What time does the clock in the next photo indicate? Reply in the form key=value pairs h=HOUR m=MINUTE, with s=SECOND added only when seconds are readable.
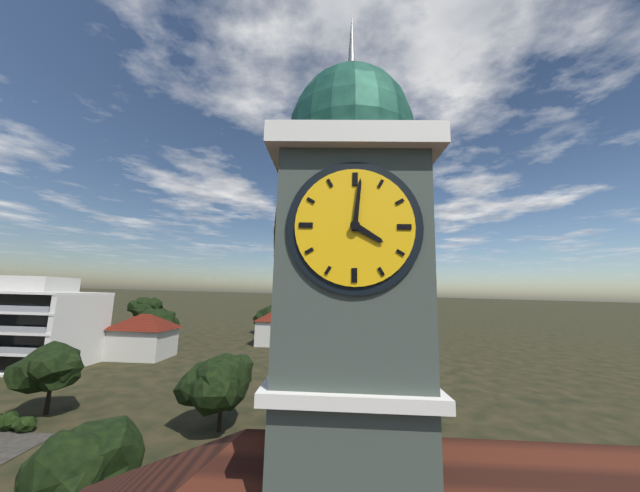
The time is h=4 m=1
